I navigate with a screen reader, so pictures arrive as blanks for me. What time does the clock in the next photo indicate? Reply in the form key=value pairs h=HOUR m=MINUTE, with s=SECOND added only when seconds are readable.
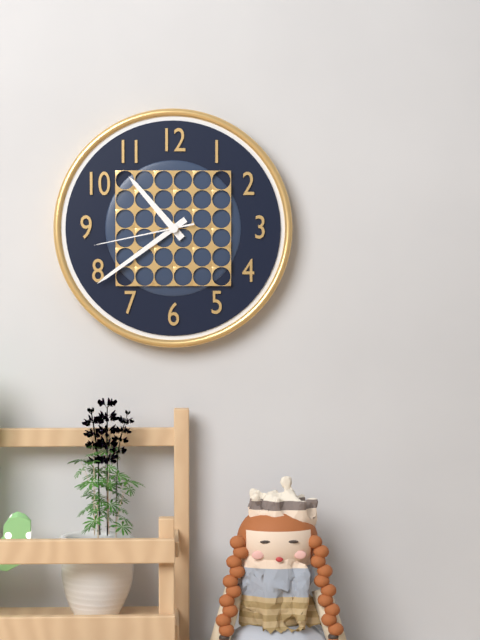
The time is h=10 m=39 s=43
